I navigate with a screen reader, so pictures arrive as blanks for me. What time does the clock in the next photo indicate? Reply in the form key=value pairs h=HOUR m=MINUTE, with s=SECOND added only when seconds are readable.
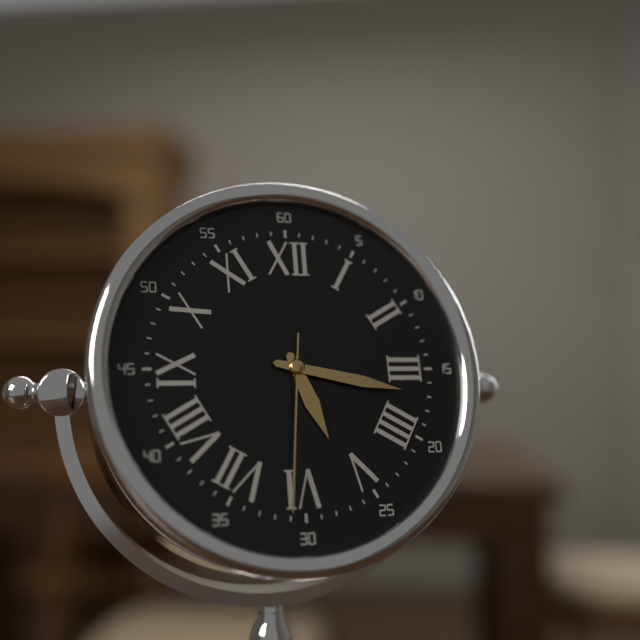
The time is h=5 m=17 s=31
